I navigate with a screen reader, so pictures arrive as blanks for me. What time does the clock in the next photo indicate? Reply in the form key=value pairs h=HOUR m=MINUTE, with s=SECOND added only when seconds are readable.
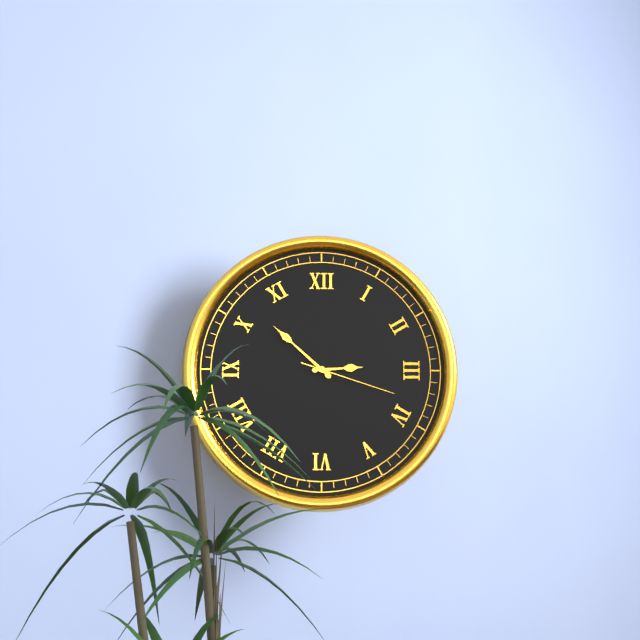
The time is h=2 m=52 s=18
